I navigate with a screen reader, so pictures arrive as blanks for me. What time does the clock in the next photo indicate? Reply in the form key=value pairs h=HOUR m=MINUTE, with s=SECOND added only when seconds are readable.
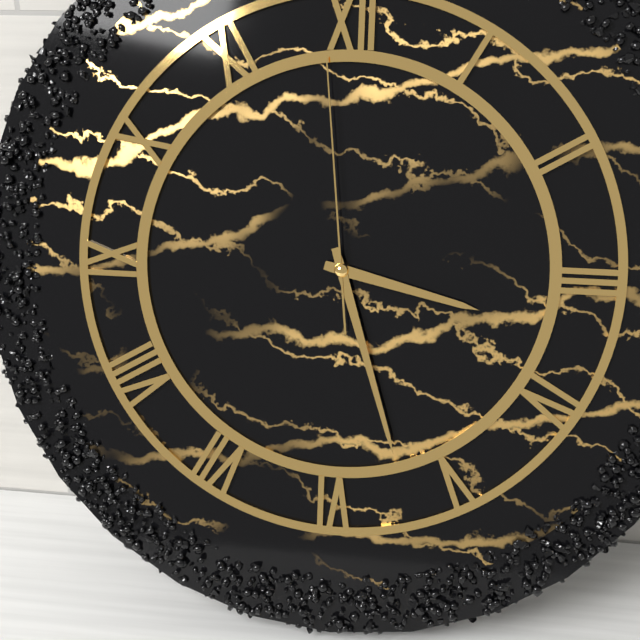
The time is h=3 m=27 s=59
